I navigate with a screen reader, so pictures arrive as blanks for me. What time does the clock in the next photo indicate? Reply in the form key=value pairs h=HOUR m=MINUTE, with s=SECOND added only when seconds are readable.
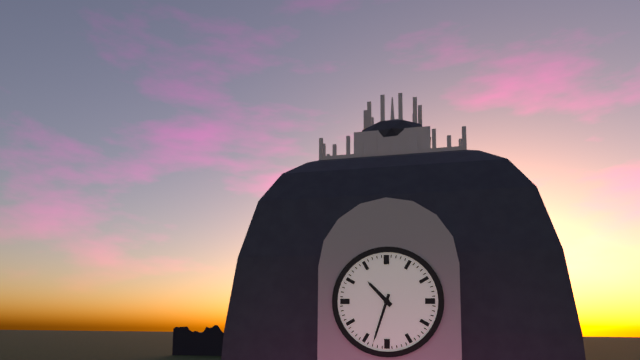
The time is h=10 m=33
